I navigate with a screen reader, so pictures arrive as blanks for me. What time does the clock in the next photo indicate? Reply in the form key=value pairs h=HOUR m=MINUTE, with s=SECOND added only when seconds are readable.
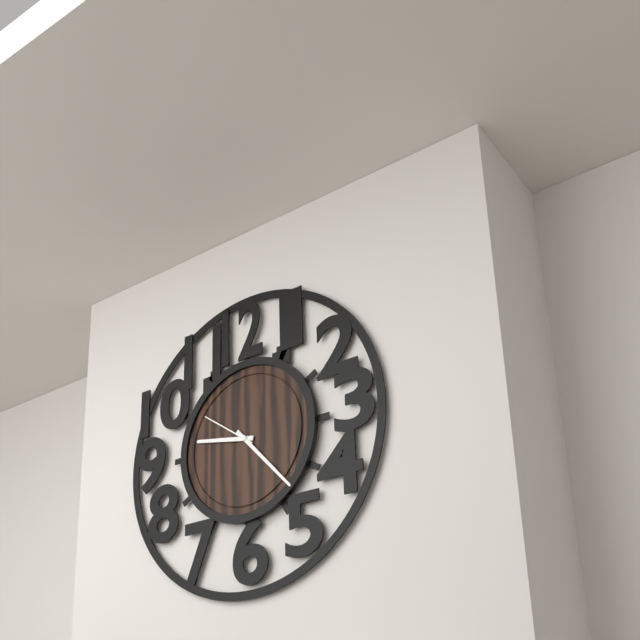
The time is h=9 m=23 s=51
